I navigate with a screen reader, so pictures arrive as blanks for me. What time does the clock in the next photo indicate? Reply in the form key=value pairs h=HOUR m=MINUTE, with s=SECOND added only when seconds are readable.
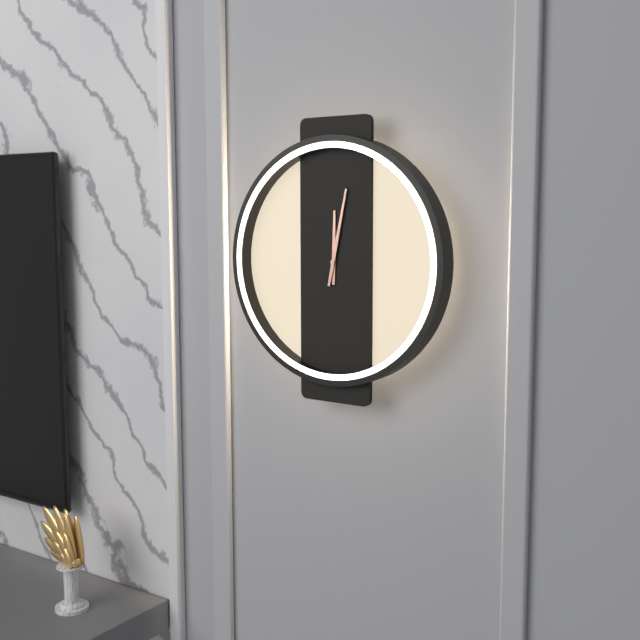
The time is h=12 m=2
